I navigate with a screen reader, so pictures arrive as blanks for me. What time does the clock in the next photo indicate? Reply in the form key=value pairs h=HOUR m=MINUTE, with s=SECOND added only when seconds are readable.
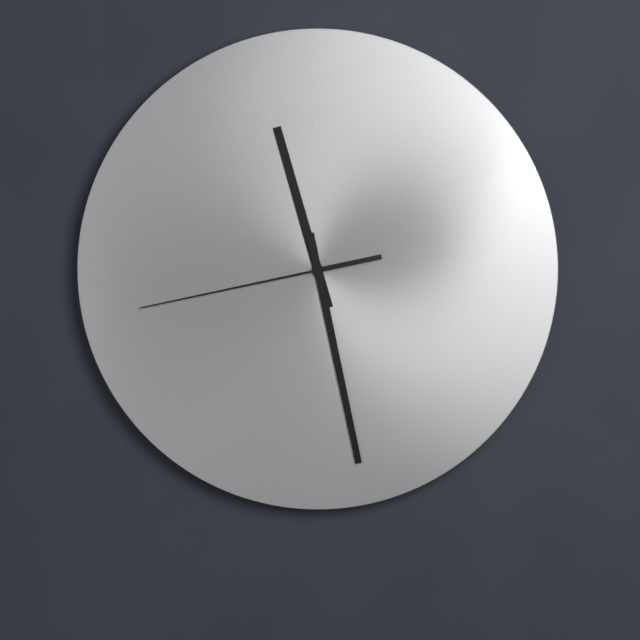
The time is h=11 m=28 s=43
